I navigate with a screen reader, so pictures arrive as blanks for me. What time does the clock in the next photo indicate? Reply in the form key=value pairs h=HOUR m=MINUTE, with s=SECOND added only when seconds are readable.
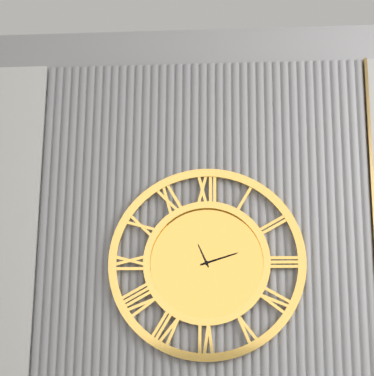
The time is h=11 m=12
